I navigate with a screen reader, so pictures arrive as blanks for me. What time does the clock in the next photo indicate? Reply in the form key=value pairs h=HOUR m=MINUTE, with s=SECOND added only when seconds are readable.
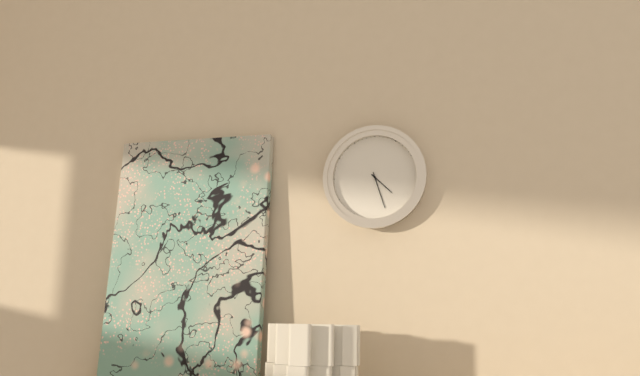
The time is h=4 m=27
